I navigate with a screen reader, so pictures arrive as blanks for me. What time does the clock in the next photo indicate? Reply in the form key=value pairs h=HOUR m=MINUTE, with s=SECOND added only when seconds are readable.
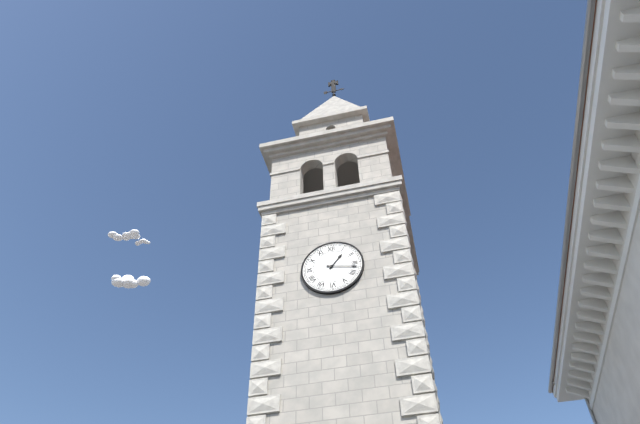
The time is h=1 m=17
